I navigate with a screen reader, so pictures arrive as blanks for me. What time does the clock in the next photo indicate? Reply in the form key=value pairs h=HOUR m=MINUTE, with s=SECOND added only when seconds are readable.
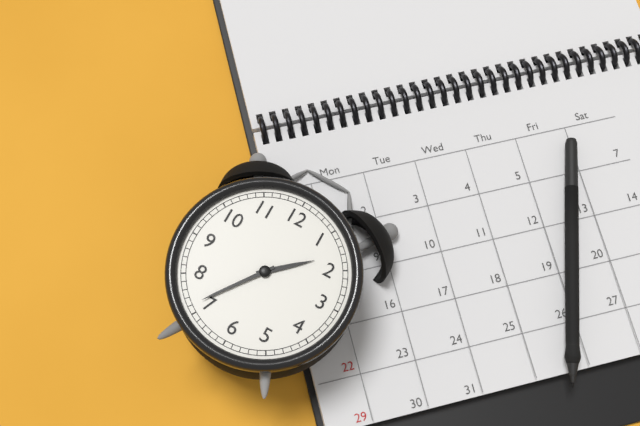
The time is h=1 m=36
